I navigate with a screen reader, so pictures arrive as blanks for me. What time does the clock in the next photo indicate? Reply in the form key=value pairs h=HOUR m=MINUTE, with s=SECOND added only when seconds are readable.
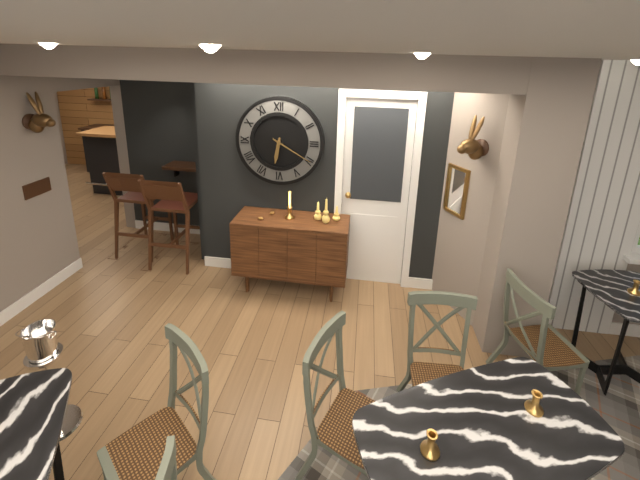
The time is h=6 m=20
